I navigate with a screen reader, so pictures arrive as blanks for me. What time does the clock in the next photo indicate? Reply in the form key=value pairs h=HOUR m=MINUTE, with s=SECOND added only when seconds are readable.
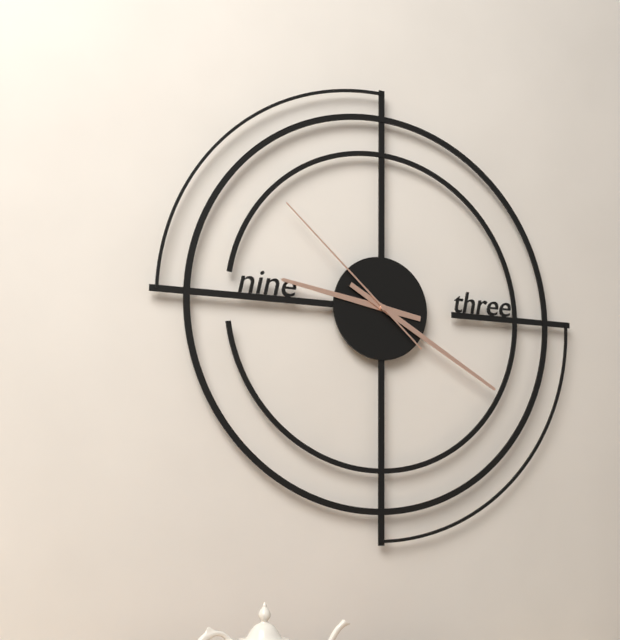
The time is h=9 m=20 s=52
